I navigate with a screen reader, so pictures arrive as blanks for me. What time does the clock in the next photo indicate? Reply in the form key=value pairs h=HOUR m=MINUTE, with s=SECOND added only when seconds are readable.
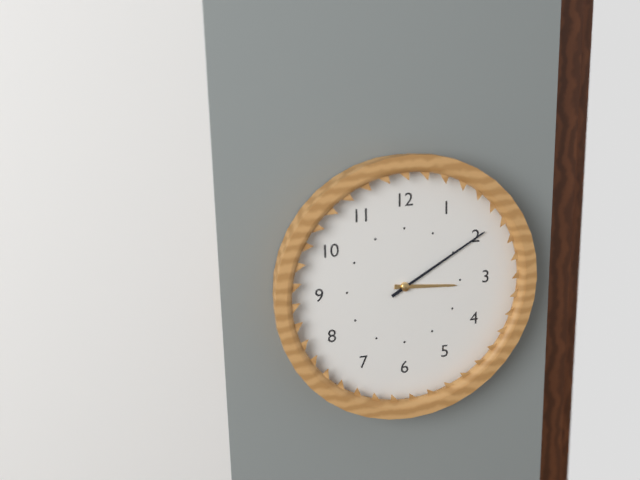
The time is h=3 m=10
